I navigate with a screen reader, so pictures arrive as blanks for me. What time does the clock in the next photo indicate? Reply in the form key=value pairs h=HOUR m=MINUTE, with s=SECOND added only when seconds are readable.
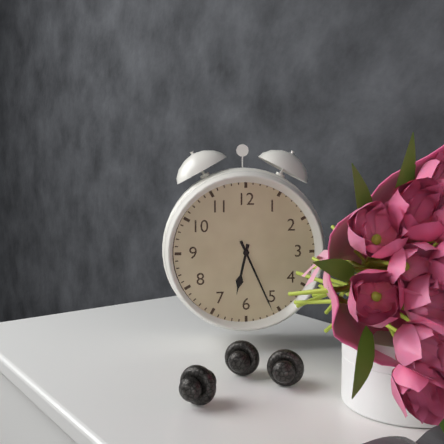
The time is h=6 m=26
